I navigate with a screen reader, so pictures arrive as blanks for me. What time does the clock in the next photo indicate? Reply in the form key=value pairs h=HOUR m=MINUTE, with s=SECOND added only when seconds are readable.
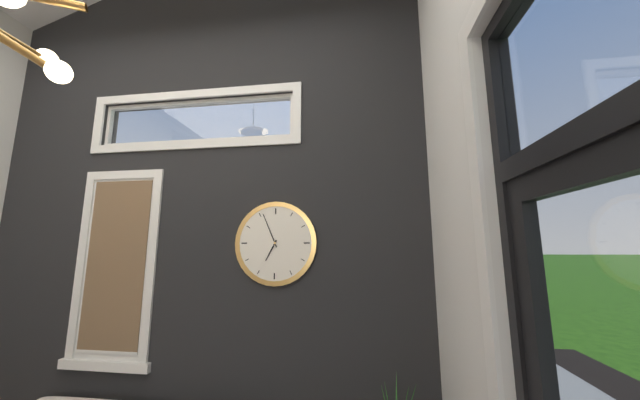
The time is h=6 m=56
